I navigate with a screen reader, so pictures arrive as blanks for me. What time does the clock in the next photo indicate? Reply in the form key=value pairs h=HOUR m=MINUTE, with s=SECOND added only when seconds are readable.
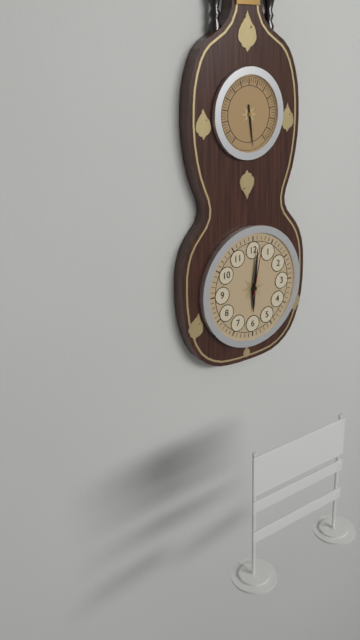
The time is h=6 m=1 s=2
